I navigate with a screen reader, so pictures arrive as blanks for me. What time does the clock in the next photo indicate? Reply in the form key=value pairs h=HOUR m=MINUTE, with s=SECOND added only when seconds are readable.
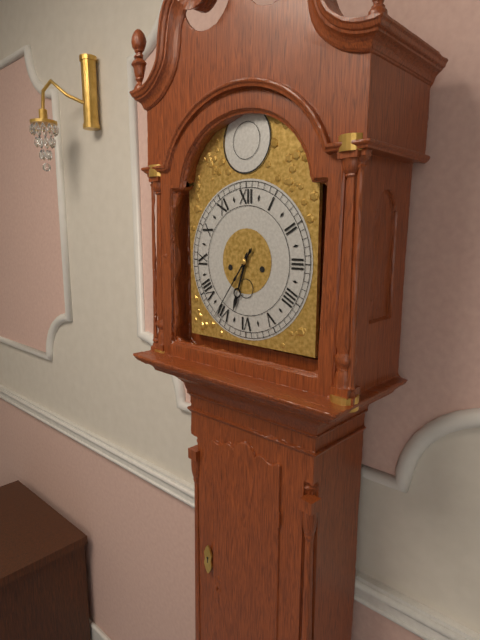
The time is h=6 m=36
